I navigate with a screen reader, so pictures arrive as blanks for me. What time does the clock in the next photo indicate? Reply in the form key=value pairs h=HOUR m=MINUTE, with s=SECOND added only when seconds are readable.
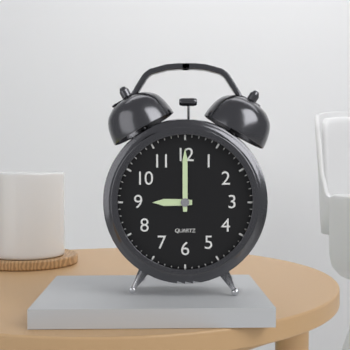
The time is h=9 m=0
